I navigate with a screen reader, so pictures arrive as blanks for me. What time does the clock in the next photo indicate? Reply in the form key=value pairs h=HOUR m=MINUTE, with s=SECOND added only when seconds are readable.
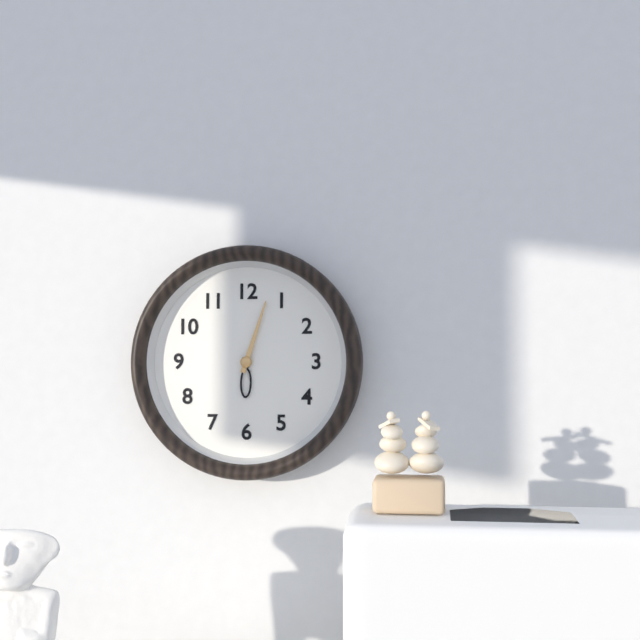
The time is h=6 m=3
